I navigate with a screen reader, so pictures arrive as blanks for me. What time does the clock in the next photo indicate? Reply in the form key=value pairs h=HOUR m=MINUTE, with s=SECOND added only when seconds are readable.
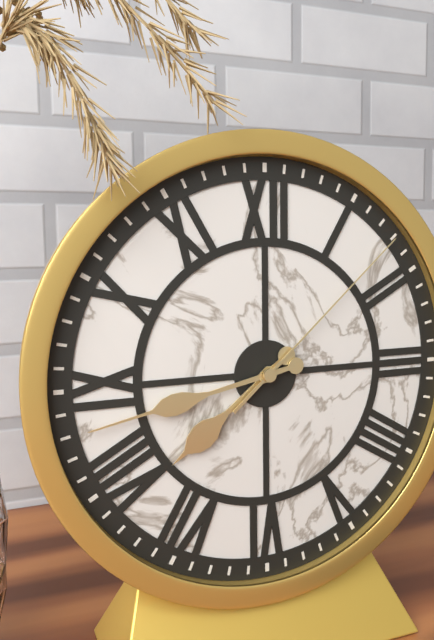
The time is h=7 m=43 s=8
